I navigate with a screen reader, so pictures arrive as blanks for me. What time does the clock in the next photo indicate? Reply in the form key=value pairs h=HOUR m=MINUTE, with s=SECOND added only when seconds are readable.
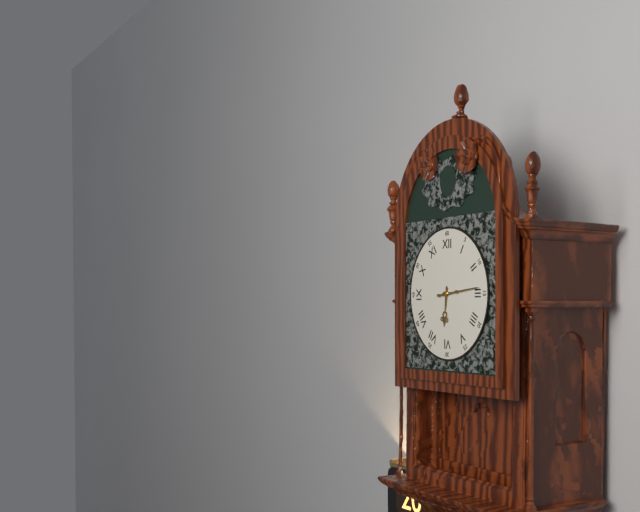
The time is h=6 m=14
